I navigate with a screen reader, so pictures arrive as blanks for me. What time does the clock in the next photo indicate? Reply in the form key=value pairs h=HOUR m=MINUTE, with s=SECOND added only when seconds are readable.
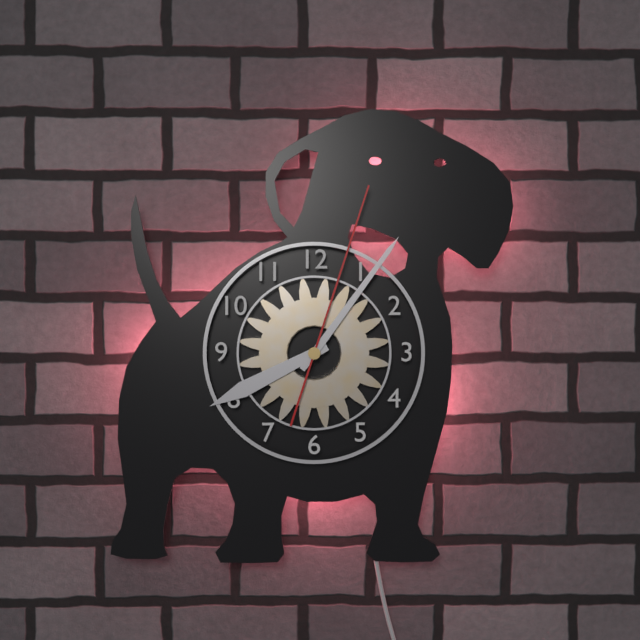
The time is h=8 m=6 s=3
